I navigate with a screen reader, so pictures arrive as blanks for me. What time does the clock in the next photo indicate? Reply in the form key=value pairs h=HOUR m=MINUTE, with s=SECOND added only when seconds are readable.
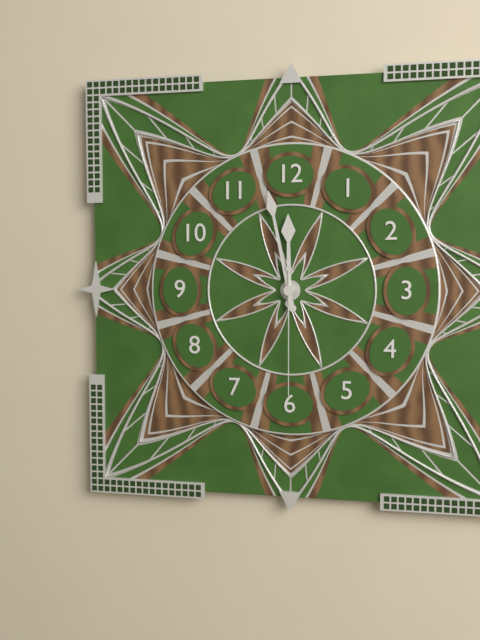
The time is h=11 m=58 s=30
